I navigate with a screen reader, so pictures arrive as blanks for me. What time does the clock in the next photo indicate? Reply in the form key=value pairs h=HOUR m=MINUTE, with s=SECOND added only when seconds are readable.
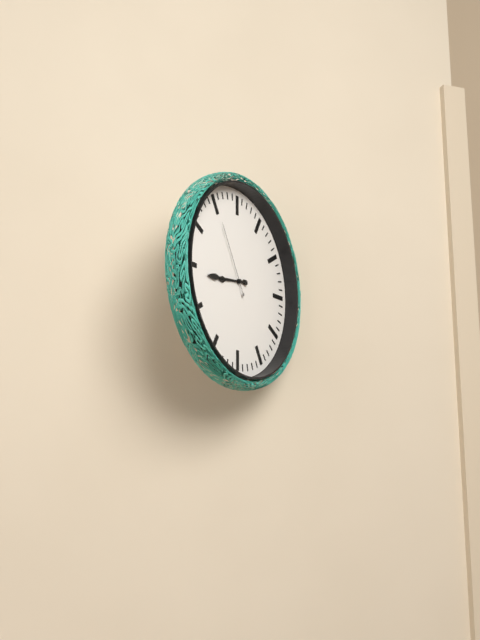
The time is h=8 m=44 s=55
